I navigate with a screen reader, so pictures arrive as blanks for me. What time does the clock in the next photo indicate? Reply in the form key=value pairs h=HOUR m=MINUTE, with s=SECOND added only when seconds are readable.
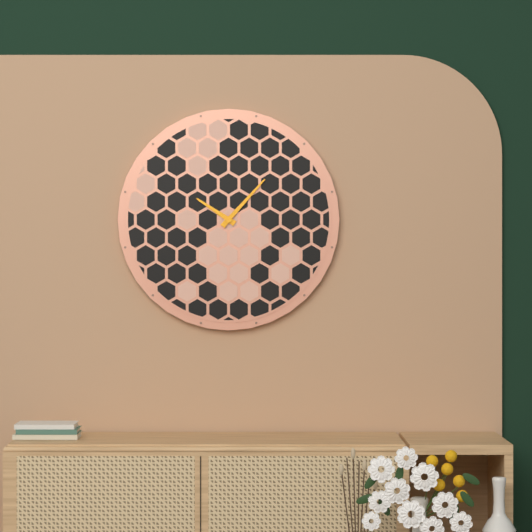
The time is h=10 m=7
